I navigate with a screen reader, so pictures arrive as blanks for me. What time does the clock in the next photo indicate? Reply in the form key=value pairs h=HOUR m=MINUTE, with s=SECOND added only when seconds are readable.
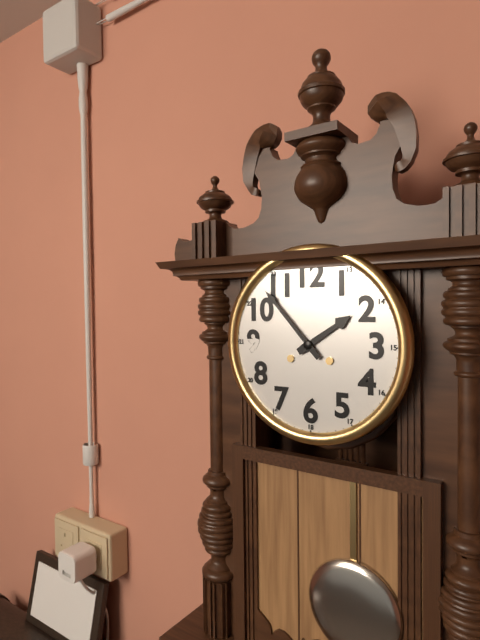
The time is h=1 m=53
